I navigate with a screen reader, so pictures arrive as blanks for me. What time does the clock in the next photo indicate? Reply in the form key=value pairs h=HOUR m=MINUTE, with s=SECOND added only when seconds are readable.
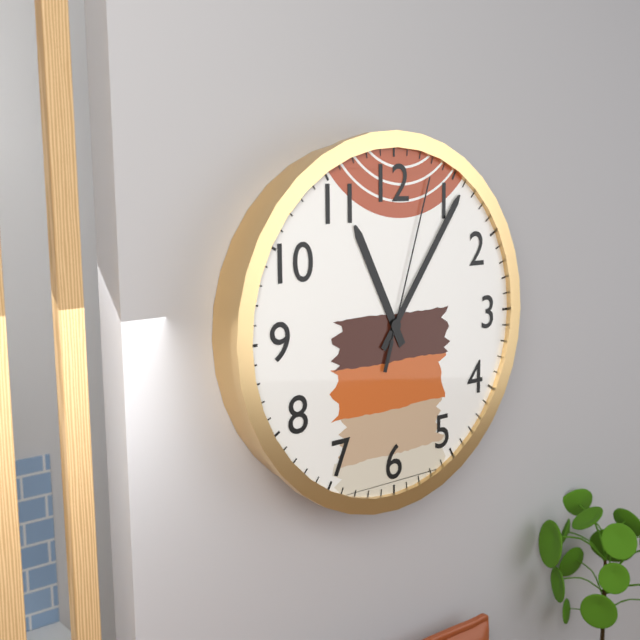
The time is h=11 m=6 s=3
